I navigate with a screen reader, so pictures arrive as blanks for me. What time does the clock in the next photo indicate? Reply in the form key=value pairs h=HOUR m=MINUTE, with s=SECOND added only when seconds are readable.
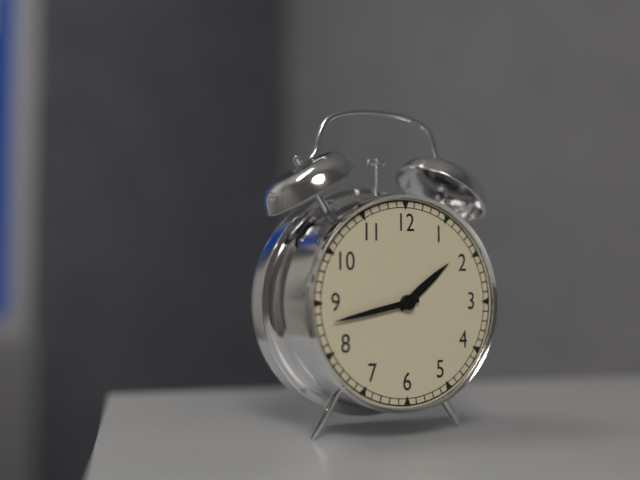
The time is h=1 m=43
